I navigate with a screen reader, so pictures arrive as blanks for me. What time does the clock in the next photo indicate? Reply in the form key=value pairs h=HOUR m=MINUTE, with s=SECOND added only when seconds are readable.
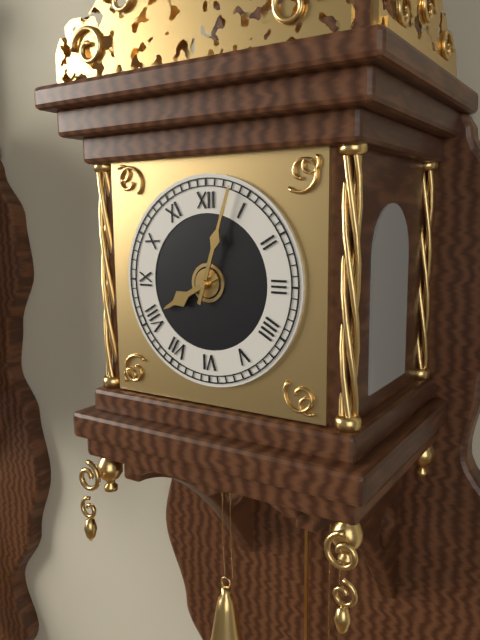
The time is h=8 m=3
